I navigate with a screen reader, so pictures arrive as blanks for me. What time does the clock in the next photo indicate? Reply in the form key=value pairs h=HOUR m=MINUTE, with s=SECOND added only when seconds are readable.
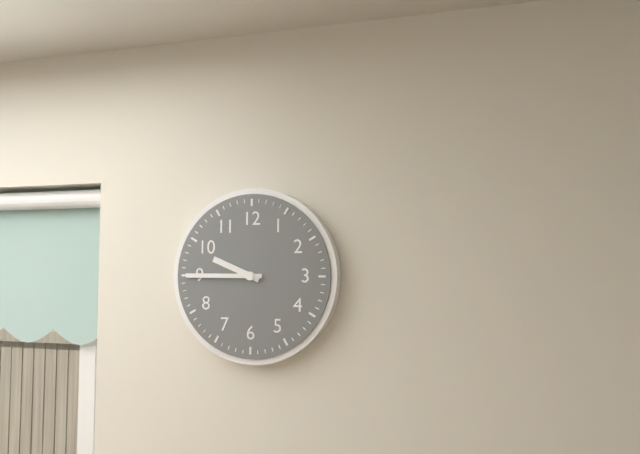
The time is h=9 m=45
